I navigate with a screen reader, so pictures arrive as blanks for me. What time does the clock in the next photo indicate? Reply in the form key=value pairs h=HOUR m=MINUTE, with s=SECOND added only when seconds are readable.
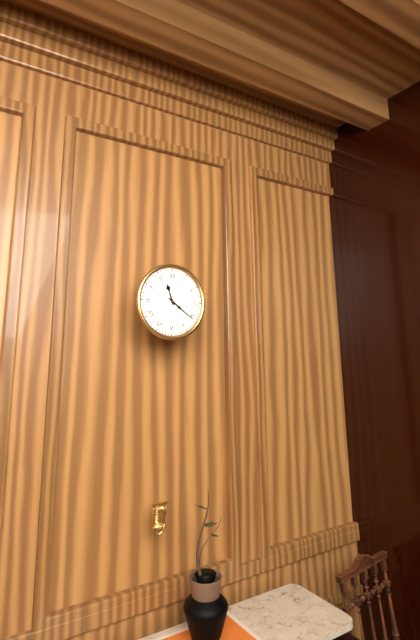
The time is h=11 m=21
